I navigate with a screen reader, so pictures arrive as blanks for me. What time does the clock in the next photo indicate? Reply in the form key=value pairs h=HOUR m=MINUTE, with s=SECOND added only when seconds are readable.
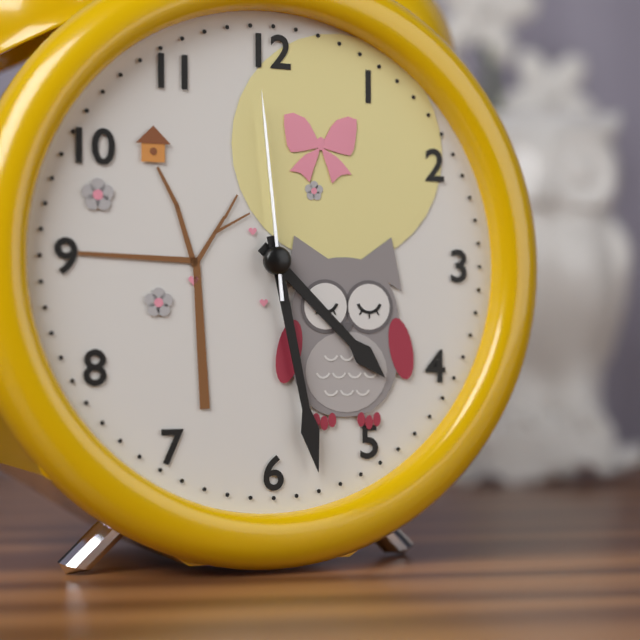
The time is h=4 m=28 s=59
